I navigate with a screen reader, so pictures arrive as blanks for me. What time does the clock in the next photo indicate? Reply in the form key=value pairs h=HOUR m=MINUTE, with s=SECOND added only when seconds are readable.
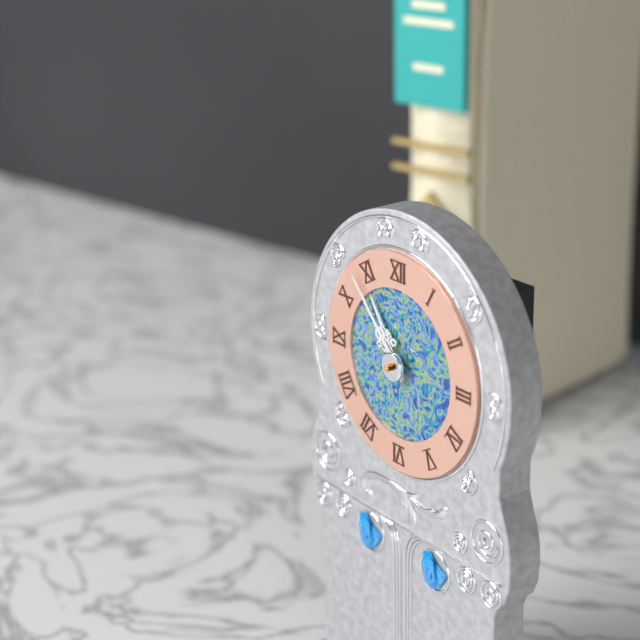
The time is h=10 m=53
